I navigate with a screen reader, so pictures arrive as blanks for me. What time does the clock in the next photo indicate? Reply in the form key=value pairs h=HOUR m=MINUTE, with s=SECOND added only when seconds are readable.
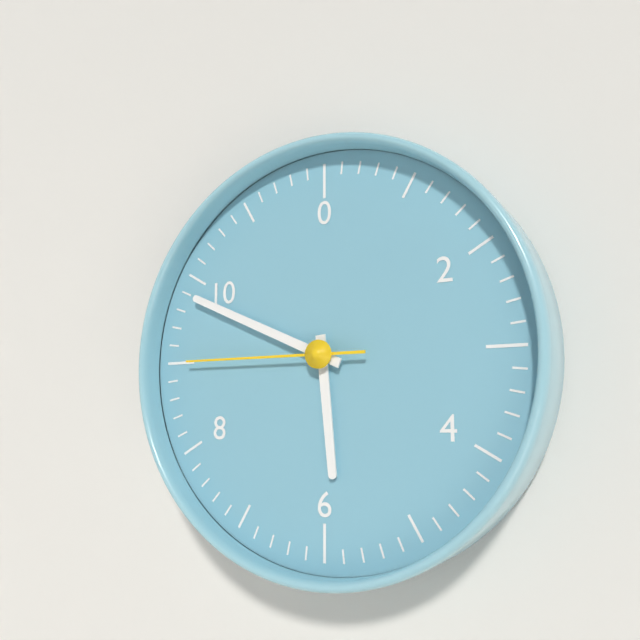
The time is h=5 m=49 s=45
